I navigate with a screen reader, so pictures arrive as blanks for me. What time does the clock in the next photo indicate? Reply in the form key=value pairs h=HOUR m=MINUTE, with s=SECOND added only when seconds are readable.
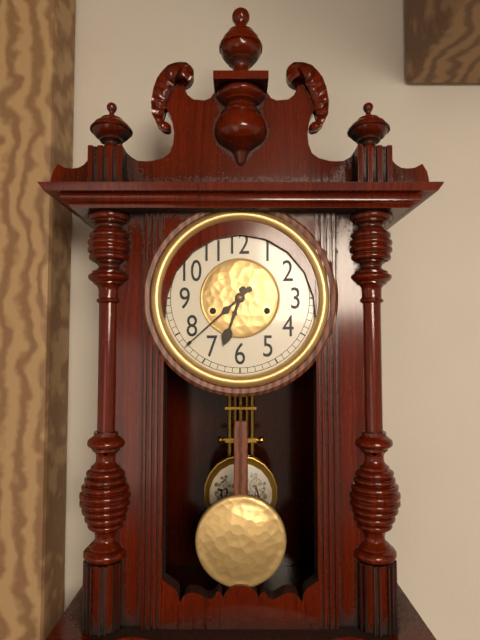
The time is h=6 m=38
